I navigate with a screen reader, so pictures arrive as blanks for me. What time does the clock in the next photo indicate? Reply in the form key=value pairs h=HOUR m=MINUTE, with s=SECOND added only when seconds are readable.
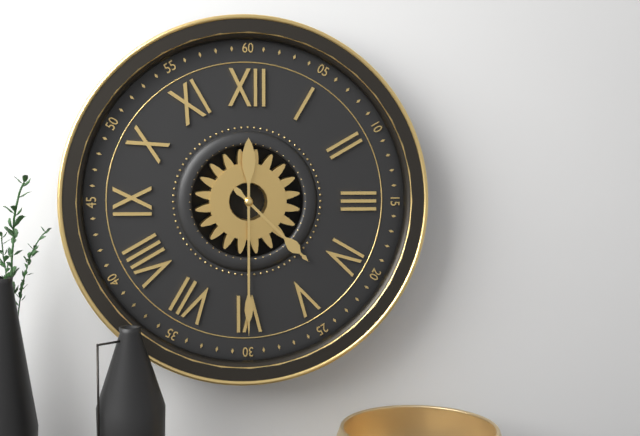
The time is h=4 m=30
